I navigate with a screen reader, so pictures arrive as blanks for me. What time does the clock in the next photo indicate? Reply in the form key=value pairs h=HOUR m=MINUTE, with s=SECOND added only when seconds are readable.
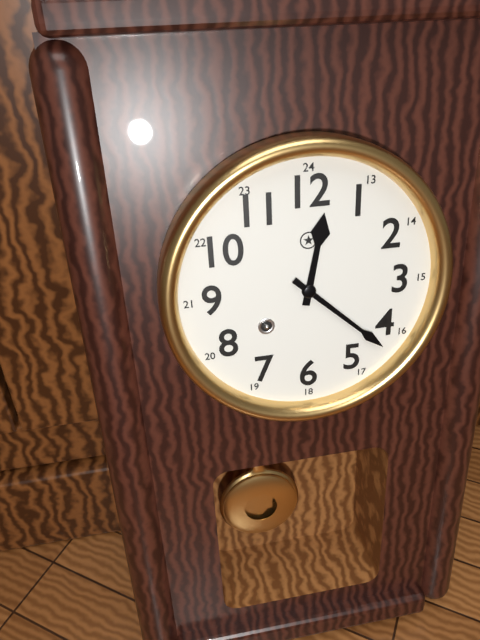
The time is h=12 m=22
